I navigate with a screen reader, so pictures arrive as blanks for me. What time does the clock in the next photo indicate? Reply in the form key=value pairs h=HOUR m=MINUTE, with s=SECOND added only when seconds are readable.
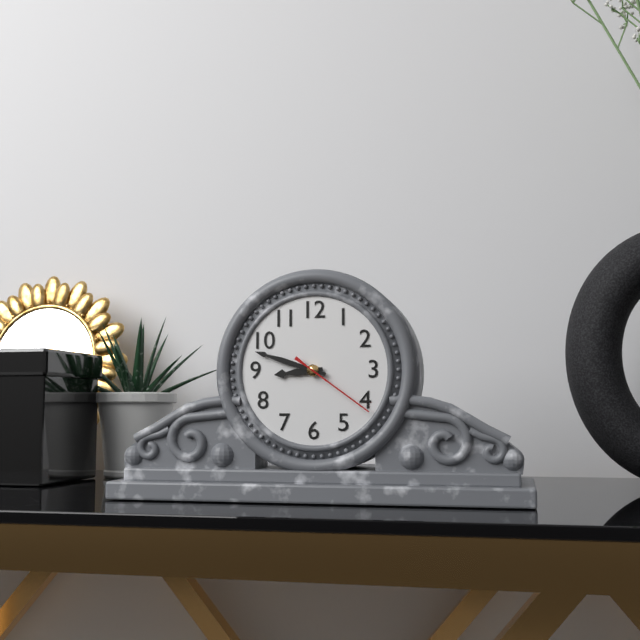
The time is h=8 m=48 s=21
